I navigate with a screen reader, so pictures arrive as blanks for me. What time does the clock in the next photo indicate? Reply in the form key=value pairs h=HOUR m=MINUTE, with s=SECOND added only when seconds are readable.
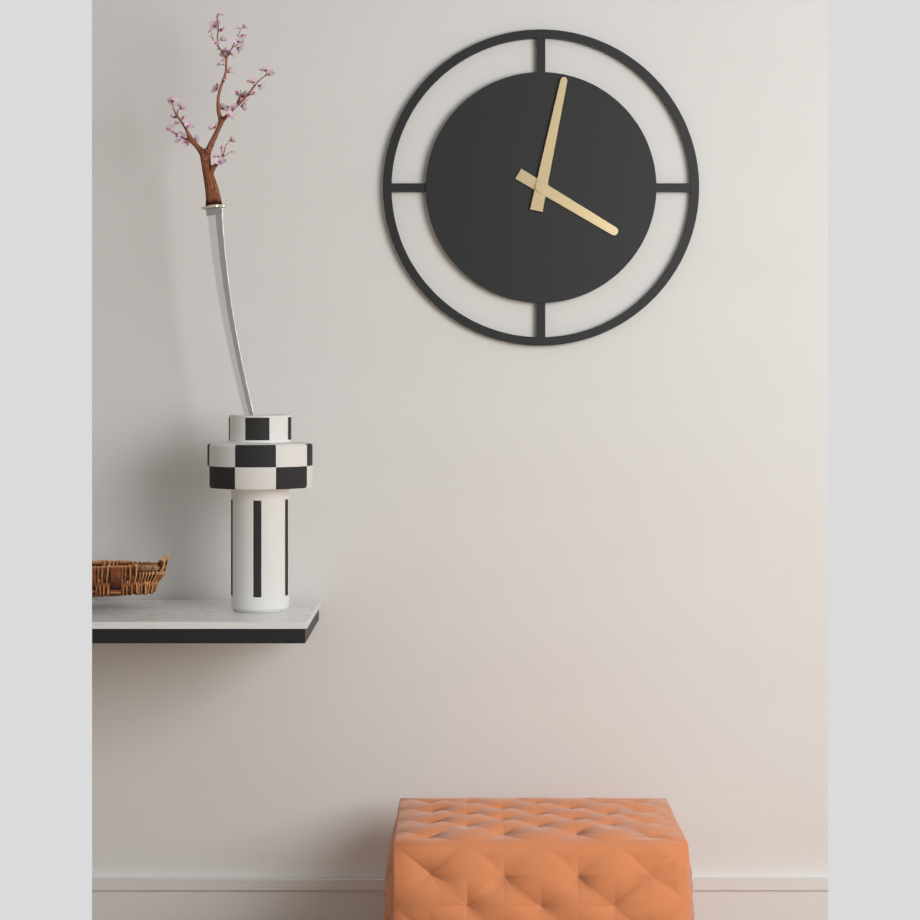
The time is h=4 m=2
